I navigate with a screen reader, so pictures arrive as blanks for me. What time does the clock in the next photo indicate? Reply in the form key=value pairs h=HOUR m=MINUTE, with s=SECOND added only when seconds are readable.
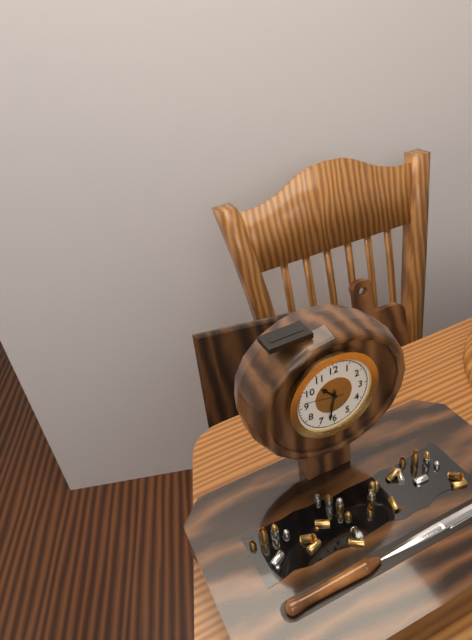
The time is h=10 m=32
